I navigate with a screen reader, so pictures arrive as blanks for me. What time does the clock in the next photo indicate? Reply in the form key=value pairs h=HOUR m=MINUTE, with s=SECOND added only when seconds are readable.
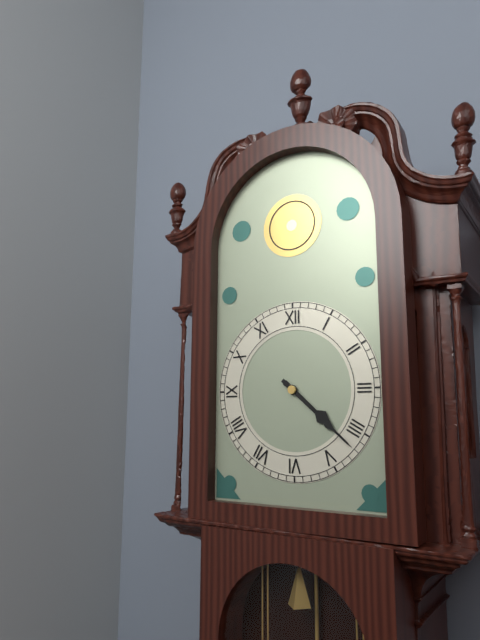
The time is h=4 m=22
